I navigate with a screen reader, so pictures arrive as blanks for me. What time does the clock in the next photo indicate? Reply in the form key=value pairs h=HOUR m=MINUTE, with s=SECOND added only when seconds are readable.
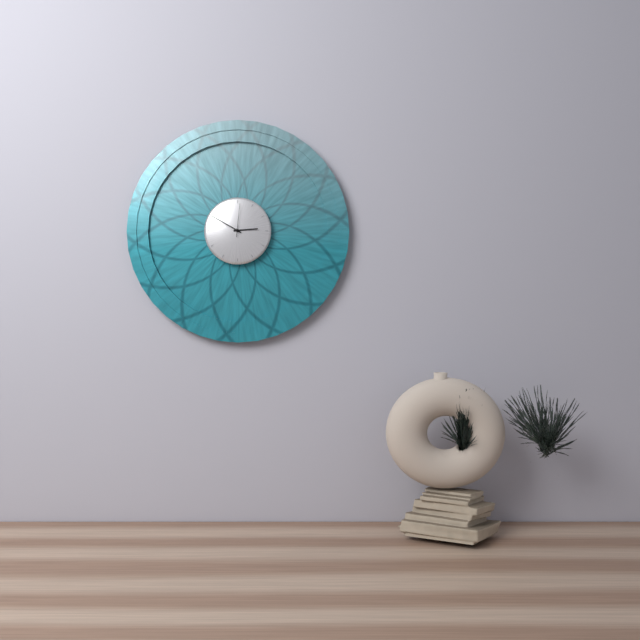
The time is h=2 m=50
